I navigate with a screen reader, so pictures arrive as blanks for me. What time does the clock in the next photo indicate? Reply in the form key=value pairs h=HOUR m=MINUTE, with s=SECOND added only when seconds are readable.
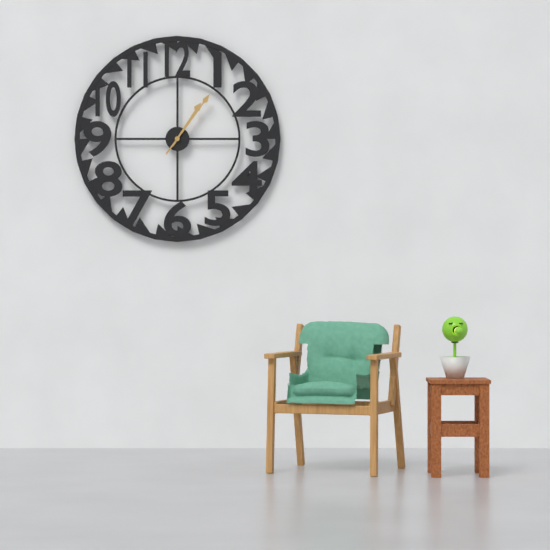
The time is h=1 m=6
